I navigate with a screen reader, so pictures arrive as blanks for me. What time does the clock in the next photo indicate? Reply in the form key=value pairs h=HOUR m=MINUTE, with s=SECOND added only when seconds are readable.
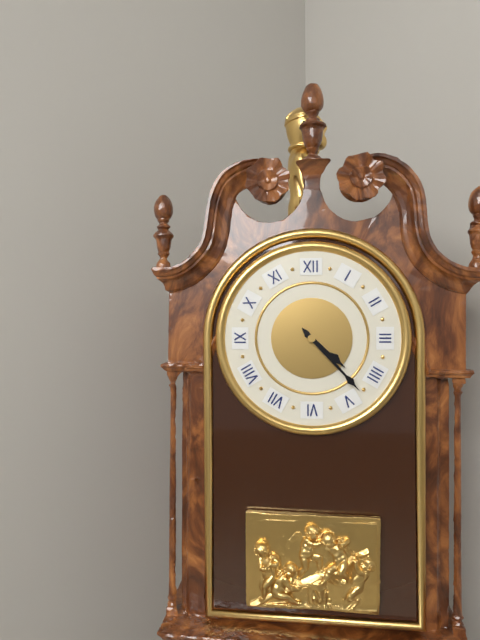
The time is h=4 m=23
